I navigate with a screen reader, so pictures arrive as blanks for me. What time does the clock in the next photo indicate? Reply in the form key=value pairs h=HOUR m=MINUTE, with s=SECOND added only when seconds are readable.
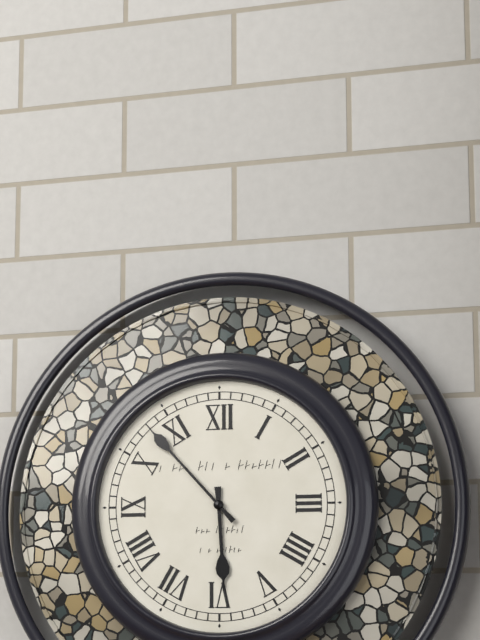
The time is h=5 m=53
